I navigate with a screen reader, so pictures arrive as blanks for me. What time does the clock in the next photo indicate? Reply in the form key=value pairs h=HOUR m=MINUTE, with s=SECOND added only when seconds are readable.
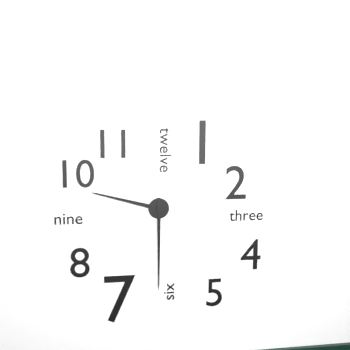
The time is h=9 m=30
